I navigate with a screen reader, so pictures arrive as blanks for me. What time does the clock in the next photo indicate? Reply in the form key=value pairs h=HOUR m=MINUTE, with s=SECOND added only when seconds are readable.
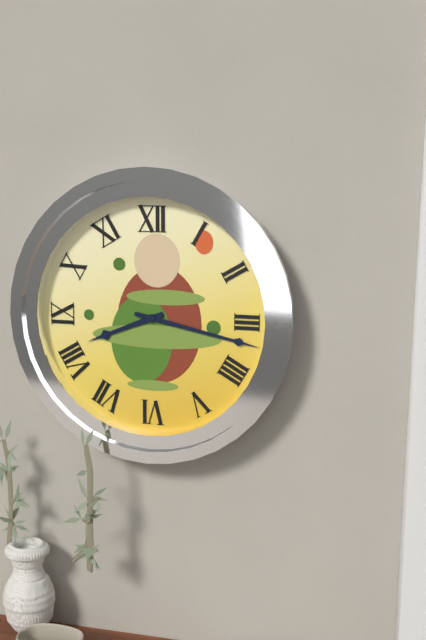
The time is h=8 m=17
